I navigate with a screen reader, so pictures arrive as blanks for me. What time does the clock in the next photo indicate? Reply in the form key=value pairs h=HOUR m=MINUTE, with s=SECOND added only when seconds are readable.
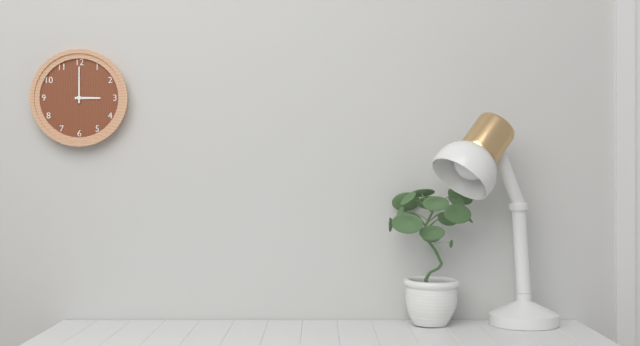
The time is h=3 m=0
